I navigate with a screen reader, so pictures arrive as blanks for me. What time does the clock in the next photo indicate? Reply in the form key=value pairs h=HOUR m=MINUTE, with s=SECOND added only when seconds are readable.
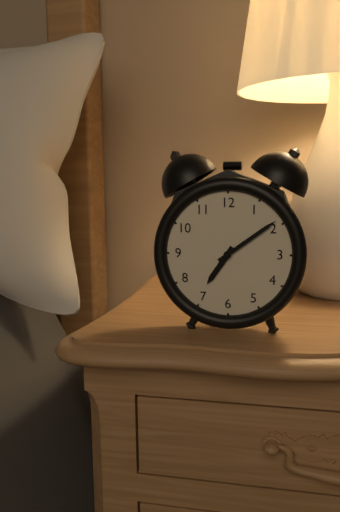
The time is h=7 m=9
